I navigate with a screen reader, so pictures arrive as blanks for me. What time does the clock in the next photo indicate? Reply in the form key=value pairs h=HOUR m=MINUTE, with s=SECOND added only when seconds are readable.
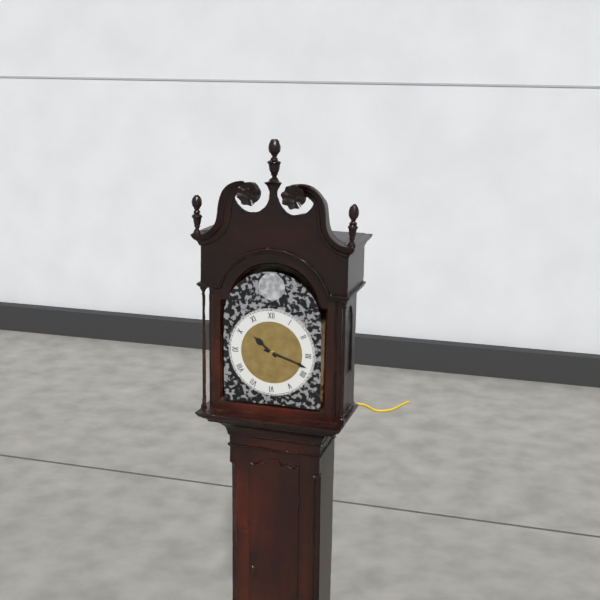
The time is h=10 m=18
